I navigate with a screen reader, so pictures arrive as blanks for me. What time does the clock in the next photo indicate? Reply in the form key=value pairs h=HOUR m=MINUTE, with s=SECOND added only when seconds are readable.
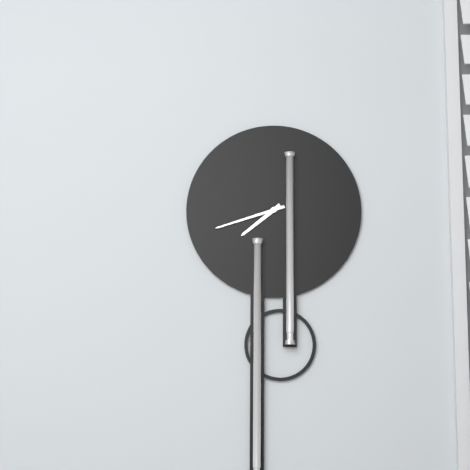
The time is h=7 m=42
